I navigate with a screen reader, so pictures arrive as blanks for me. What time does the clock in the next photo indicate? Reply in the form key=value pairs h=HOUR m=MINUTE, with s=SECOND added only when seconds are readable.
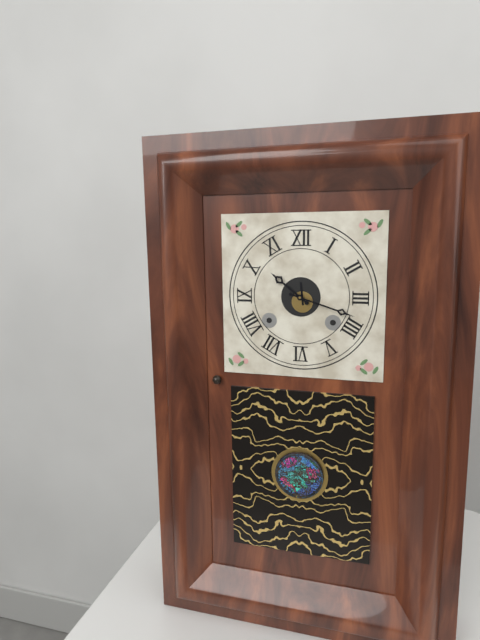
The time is h=10 m=18
